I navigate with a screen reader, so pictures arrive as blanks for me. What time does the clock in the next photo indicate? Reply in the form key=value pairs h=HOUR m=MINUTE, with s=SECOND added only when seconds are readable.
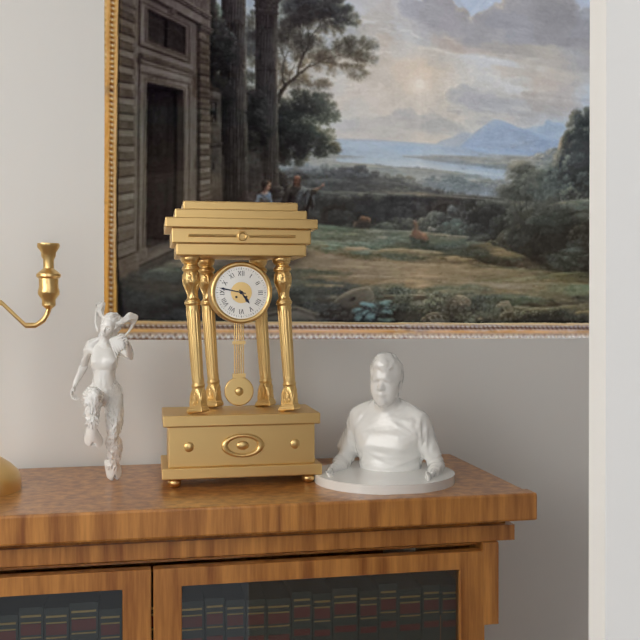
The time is h=4 m=47
